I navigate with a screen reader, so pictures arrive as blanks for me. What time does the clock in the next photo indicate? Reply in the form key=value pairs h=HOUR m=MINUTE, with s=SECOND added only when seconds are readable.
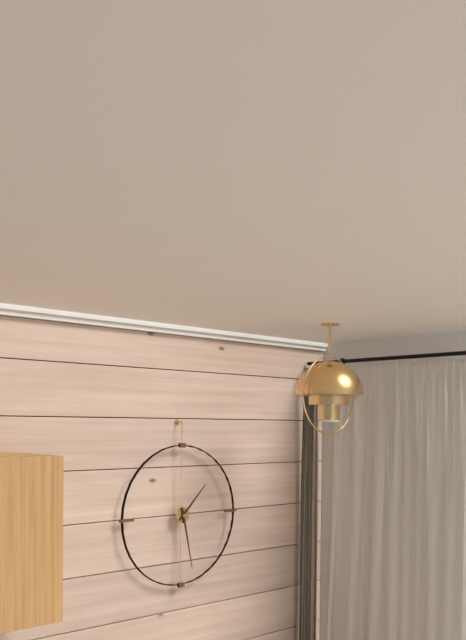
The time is h=1 m=28
